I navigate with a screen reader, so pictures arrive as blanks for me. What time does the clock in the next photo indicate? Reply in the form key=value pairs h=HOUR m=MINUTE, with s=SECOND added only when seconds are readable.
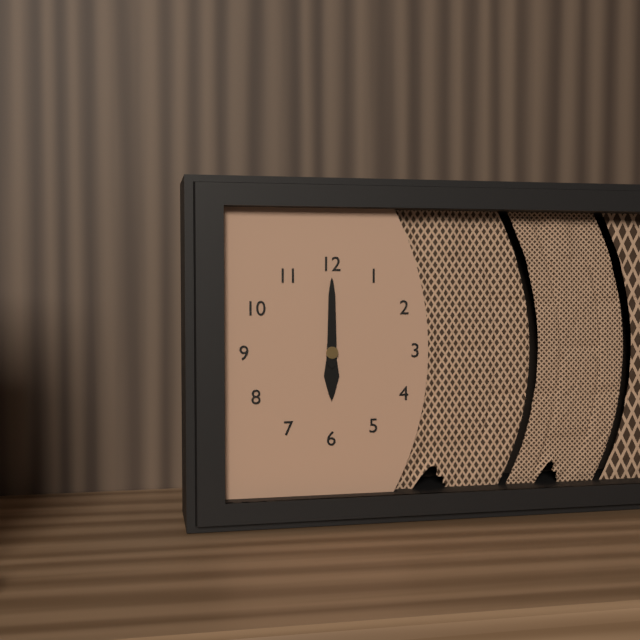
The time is h=6 m=0
